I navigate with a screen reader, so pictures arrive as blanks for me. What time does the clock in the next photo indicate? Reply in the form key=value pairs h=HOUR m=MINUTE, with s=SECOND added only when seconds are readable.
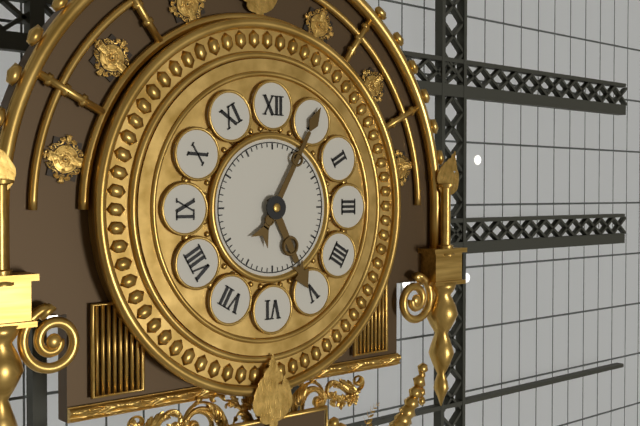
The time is h=5 m=5
